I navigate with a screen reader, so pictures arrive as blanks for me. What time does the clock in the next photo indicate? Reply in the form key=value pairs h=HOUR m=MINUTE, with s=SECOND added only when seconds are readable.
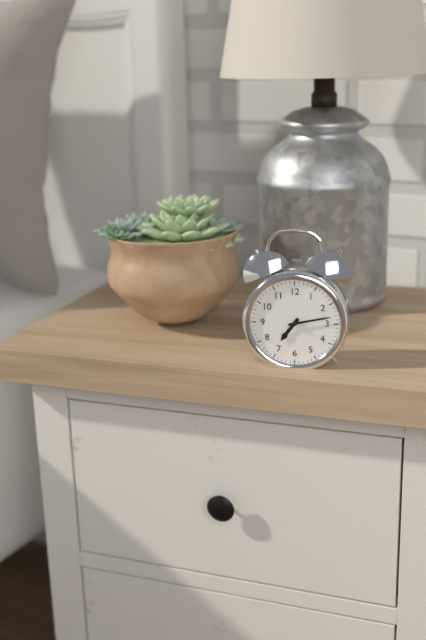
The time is h=7 m=13
